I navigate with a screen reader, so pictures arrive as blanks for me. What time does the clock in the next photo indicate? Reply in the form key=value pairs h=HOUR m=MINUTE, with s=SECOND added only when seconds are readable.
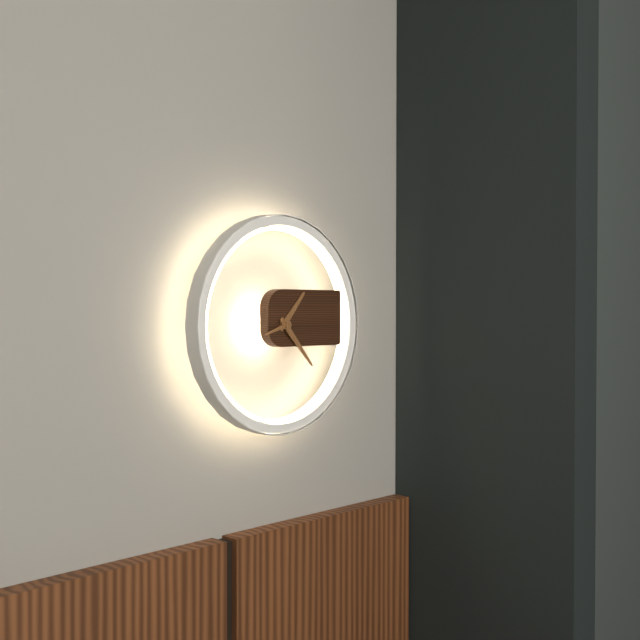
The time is h=1 m=23
